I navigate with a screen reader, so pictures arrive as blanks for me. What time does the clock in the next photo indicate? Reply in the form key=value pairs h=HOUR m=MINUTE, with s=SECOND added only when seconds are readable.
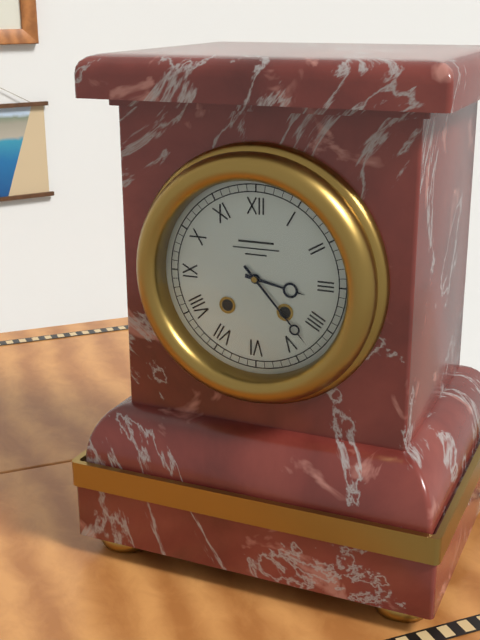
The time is h=3 m=23
